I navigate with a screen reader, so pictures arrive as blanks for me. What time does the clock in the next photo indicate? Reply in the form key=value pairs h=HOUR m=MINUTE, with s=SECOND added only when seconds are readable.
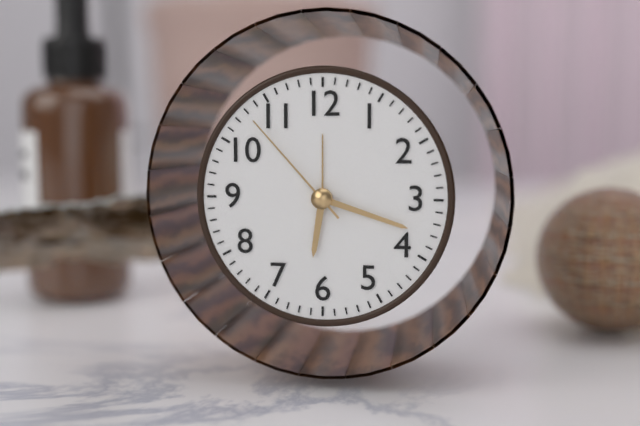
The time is h=6 m=18 s=53
